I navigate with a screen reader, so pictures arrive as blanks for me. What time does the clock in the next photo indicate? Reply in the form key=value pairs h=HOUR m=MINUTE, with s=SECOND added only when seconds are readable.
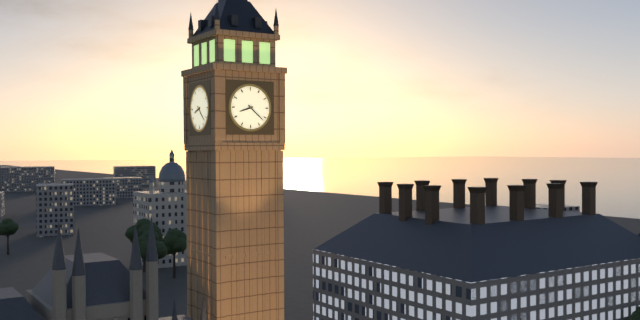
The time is h=8 m=22
